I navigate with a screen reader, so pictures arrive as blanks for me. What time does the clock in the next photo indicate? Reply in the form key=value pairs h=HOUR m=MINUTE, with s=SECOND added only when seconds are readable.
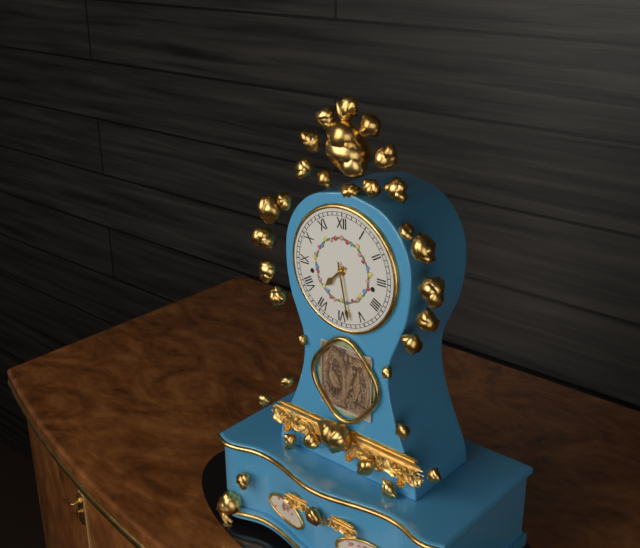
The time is h=7 m=28
